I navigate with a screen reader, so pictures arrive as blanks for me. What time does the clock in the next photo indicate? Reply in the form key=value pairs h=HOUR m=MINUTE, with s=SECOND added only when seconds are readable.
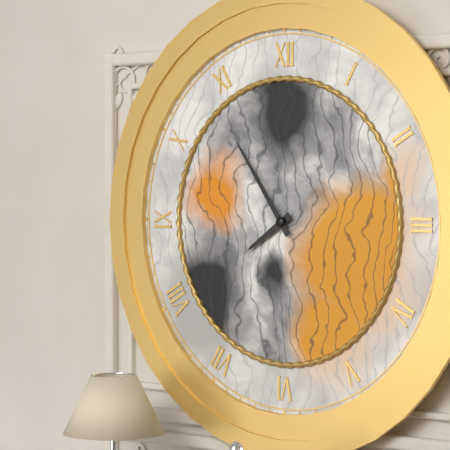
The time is h=7 m=54
